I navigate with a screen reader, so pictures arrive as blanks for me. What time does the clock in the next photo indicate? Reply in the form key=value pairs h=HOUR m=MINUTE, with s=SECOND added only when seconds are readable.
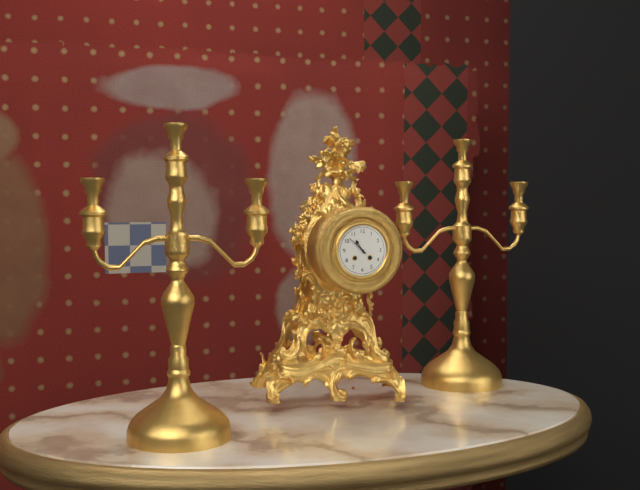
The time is h=10 m=52
